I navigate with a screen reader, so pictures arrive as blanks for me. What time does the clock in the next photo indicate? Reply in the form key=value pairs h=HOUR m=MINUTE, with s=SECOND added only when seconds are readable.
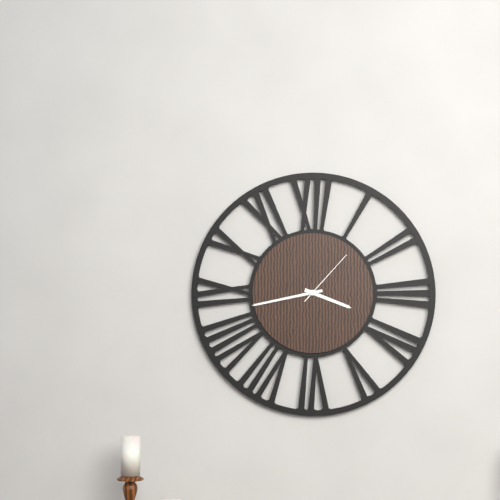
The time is h=3 m=43 s=7
